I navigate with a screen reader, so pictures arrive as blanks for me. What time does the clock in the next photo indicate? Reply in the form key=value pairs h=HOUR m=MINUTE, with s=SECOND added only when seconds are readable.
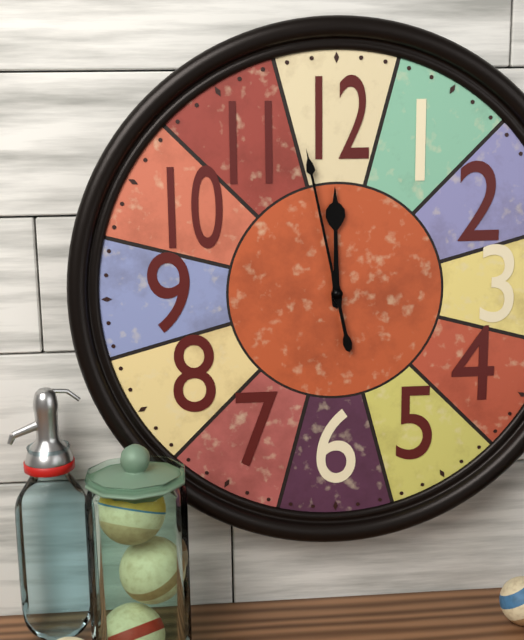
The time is h=11 m=58
